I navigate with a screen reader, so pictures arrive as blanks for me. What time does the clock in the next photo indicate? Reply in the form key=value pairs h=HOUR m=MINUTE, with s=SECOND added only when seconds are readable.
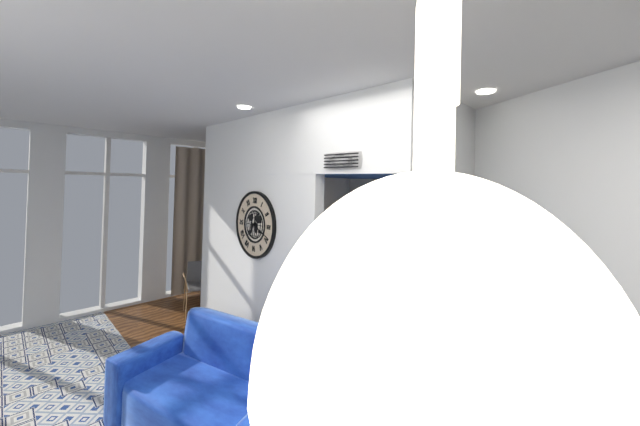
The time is h=7 m=19
